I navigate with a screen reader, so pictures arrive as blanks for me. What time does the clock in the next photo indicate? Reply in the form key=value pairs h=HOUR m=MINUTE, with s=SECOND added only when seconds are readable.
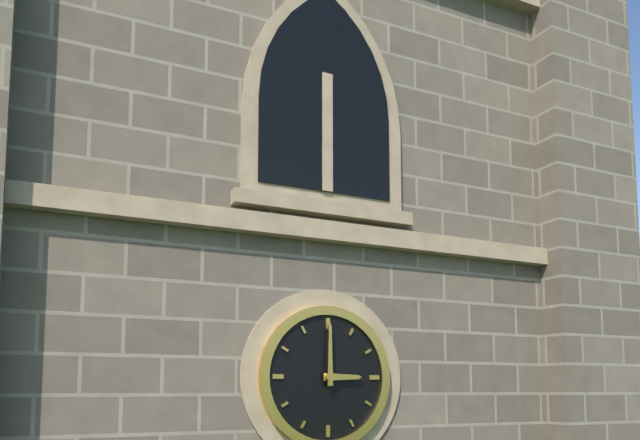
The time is h=3 m=0
